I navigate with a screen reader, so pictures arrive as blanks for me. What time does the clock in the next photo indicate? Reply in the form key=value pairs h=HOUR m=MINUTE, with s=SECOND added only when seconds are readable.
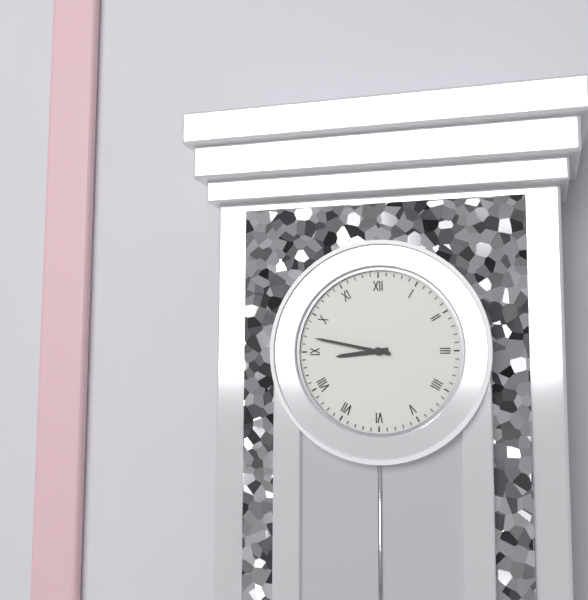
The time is h=8 m=47
